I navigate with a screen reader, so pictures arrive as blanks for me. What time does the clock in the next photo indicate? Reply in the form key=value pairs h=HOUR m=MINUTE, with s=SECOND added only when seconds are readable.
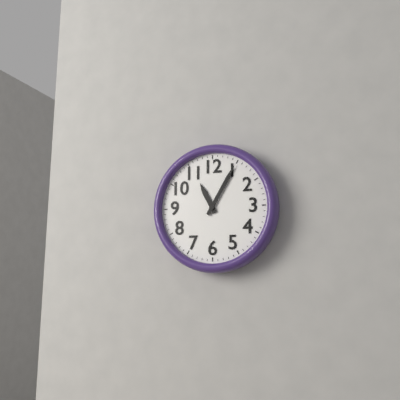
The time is h=11 m=5
